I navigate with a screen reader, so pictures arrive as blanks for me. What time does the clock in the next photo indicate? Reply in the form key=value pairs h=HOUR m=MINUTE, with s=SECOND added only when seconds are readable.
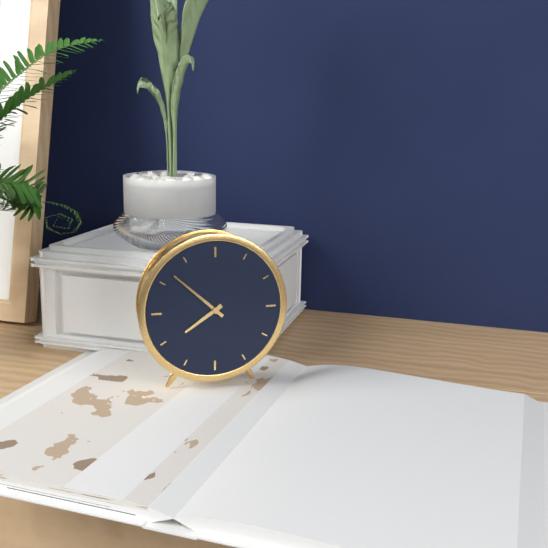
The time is h=7 m=52
